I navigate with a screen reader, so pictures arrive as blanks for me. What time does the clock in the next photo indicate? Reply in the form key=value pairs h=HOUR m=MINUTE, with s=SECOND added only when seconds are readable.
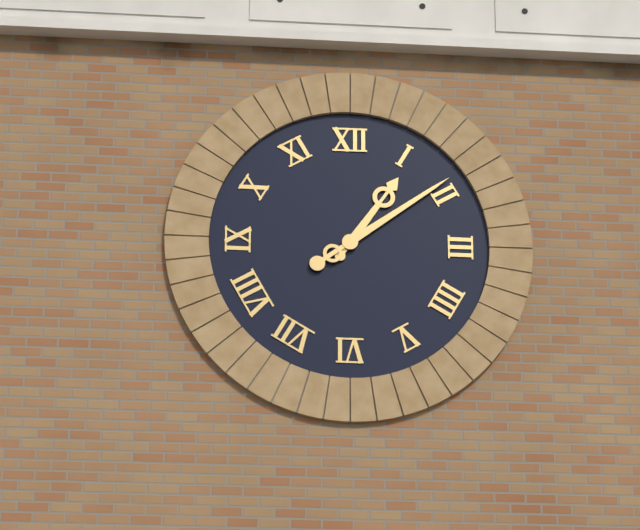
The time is h=1 m=9
